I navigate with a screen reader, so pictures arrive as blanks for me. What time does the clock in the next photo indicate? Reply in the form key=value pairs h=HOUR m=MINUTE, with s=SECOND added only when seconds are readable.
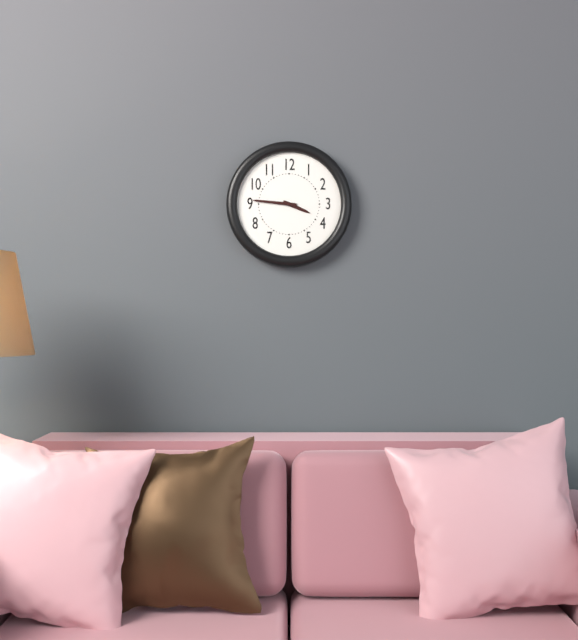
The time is h=3 m=46
